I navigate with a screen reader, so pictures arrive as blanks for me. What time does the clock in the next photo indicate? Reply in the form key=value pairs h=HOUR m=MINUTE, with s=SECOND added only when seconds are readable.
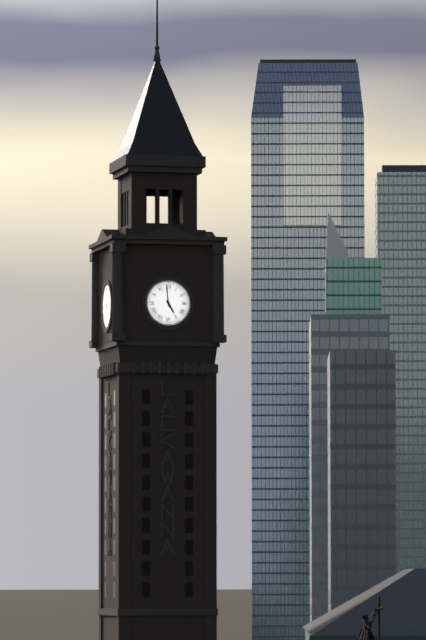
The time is h=4 m=59
